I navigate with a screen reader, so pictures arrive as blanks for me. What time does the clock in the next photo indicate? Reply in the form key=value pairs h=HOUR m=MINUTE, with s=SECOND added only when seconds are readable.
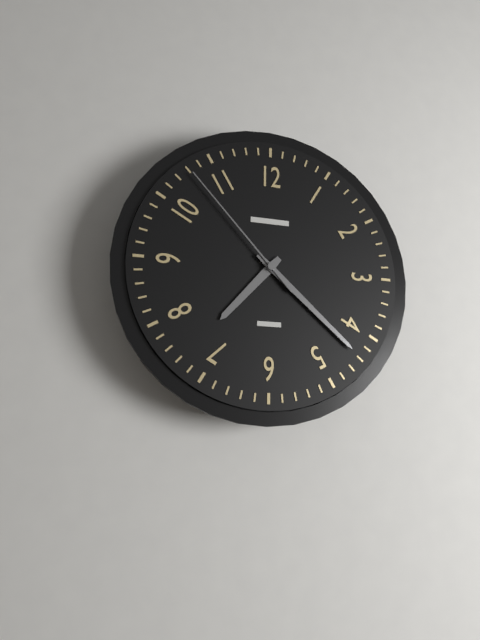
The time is h=7 m=22 s=53
